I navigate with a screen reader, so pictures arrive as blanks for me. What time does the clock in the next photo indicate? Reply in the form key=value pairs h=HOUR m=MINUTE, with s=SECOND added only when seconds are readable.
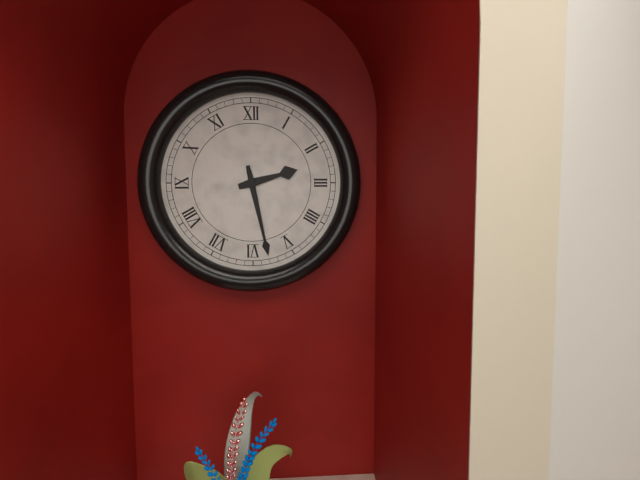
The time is h=2 m=28
